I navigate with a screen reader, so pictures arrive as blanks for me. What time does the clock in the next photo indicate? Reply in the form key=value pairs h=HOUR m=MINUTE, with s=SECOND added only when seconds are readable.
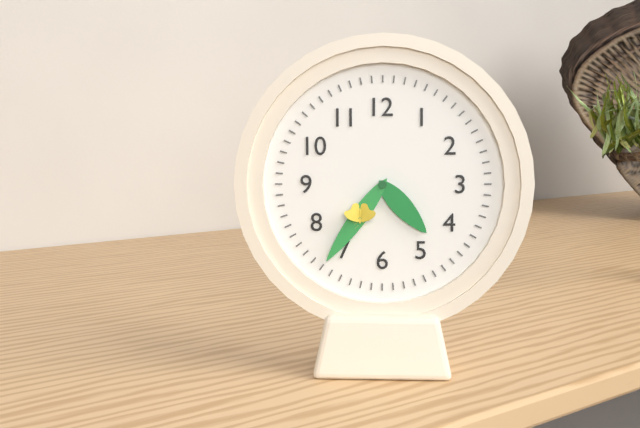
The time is h=4 m=36
